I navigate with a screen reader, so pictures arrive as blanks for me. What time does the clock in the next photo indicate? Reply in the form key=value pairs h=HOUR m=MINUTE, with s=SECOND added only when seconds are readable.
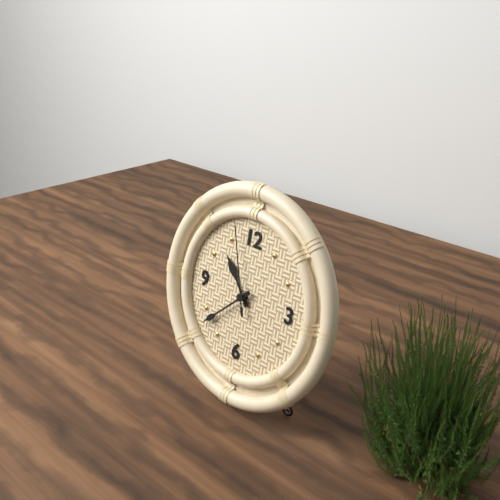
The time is h=10 m=38 s=57
